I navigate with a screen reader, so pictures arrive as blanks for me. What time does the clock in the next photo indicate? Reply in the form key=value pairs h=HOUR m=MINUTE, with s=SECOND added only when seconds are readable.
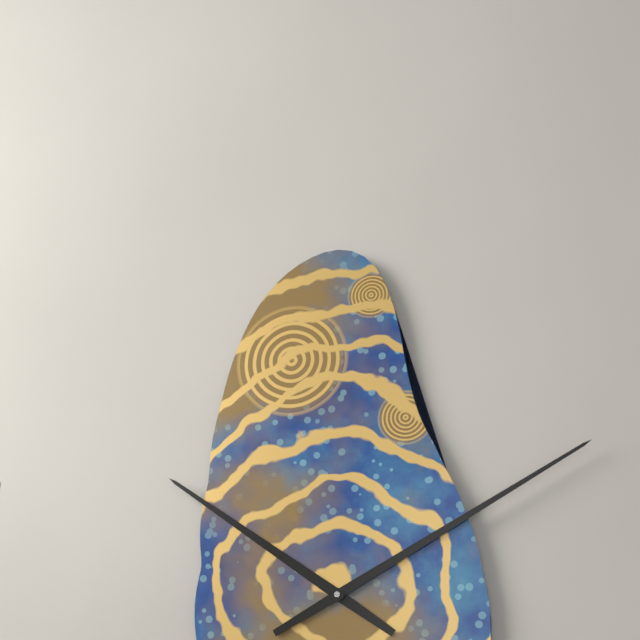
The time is h=10 m=10
